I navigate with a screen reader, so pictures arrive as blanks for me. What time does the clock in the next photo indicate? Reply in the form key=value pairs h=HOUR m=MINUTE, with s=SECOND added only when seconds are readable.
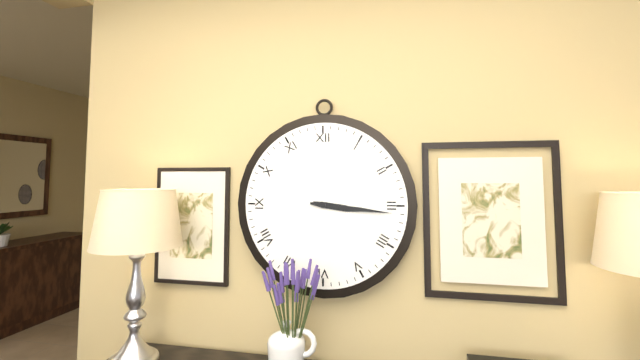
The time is h=3 m=16
